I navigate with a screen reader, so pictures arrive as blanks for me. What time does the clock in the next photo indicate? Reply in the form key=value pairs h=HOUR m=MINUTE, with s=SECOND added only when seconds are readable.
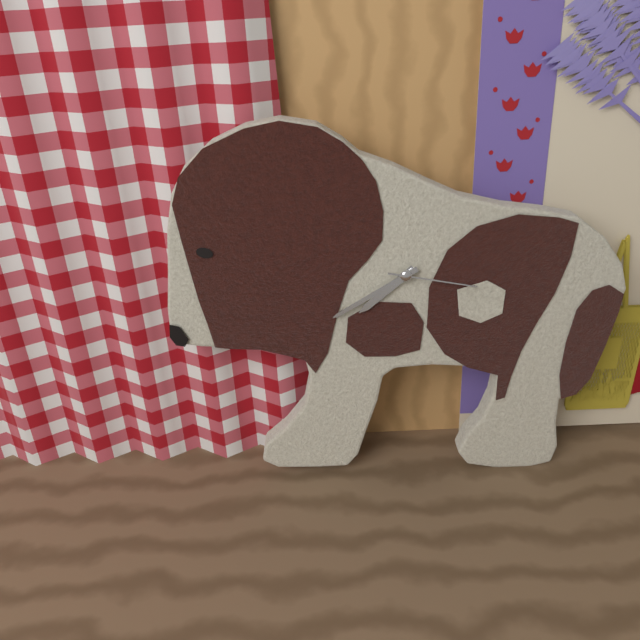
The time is h=7 m=40 s=17
